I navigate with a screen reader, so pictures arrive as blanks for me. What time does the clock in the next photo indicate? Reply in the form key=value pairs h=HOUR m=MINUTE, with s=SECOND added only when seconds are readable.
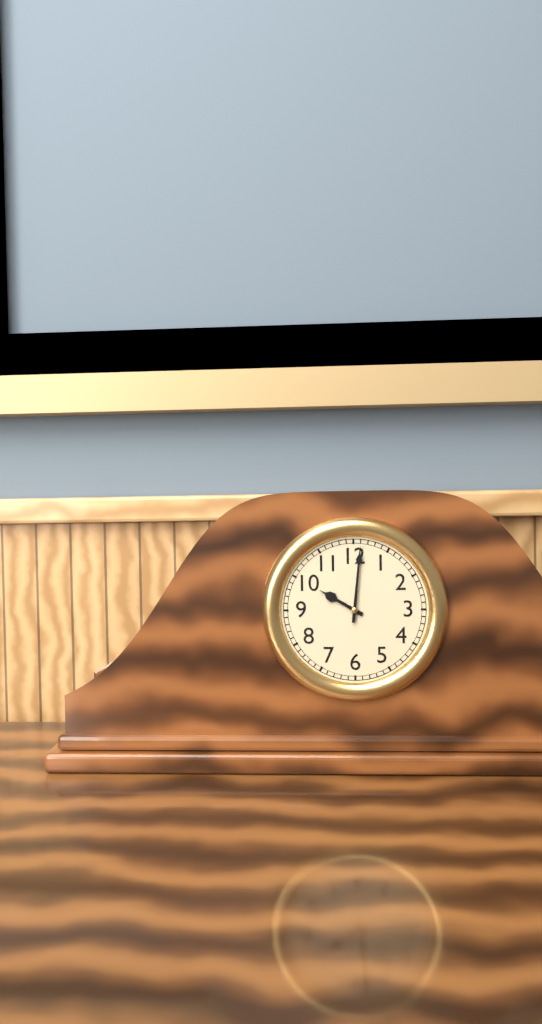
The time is h=10 m=1
